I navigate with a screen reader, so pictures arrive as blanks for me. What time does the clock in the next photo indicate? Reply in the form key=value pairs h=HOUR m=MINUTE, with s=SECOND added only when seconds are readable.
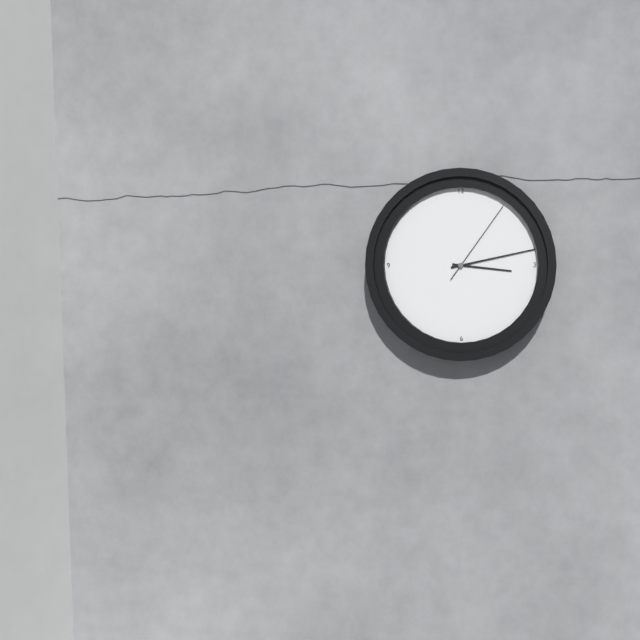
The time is h=3 m=13 s=6
